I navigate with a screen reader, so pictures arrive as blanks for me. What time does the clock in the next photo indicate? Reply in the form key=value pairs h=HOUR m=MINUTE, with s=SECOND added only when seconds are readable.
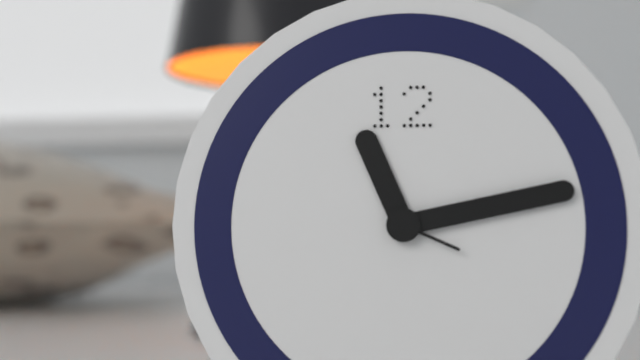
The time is h=11 m=13 s=19
